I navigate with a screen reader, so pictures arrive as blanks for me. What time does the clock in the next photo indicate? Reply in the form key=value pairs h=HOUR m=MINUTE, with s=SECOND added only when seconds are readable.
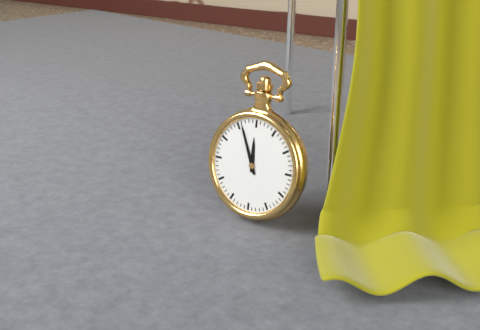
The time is h=11 m=56
